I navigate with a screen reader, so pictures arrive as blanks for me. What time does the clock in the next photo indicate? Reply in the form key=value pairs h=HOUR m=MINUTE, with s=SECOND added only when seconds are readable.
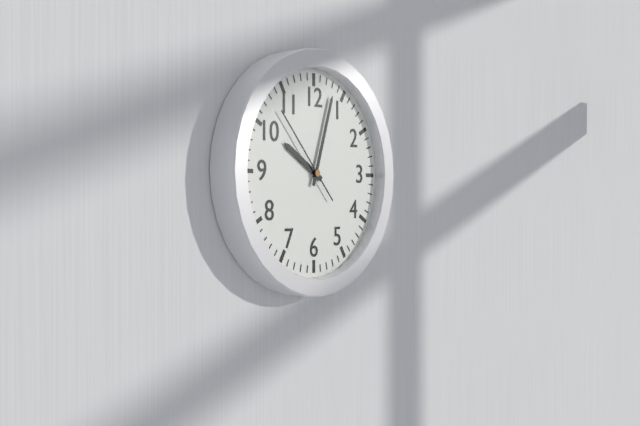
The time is h=10 m=3 s=53
